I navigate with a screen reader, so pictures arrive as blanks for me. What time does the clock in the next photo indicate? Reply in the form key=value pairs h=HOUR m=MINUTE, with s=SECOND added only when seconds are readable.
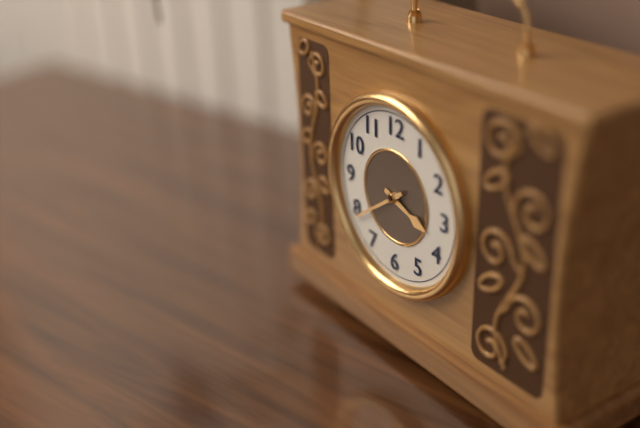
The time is h=3 m=39
